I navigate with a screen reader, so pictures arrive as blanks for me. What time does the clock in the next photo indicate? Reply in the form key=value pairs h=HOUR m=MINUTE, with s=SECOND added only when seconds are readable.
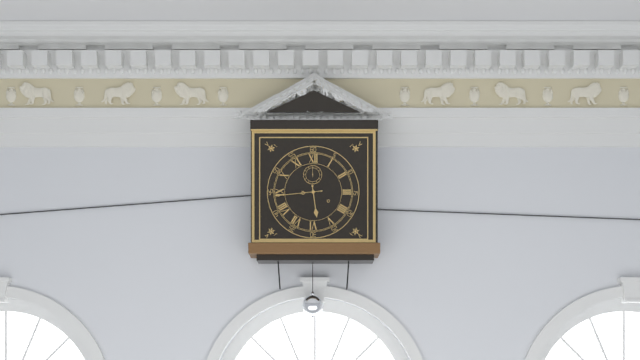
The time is h=5 m=44
